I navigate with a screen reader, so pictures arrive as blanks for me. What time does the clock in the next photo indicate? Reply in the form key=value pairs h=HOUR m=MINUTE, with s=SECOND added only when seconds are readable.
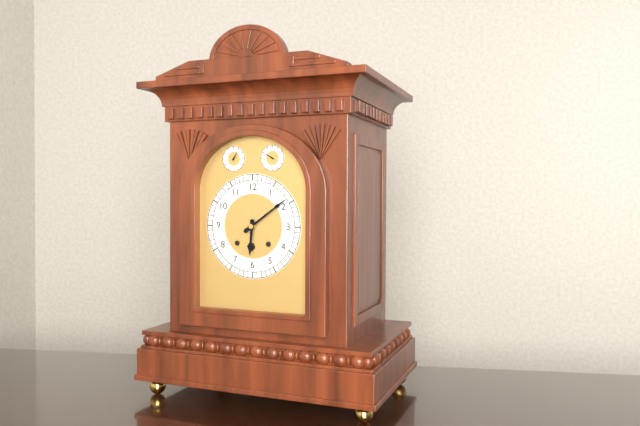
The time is h=6 m=9
